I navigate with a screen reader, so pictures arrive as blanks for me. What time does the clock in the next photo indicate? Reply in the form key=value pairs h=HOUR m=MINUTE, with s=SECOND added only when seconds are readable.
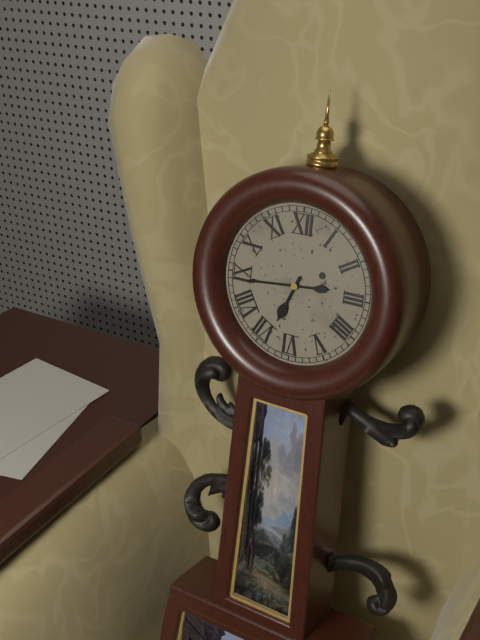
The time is h=6 m=44
